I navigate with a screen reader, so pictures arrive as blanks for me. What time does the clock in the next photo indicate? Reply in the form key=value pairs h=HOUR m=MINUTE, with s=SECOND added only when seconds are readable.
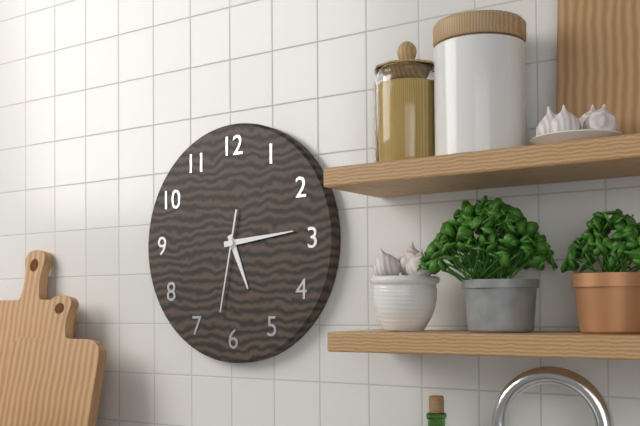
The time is h=5 m=14 s=32
